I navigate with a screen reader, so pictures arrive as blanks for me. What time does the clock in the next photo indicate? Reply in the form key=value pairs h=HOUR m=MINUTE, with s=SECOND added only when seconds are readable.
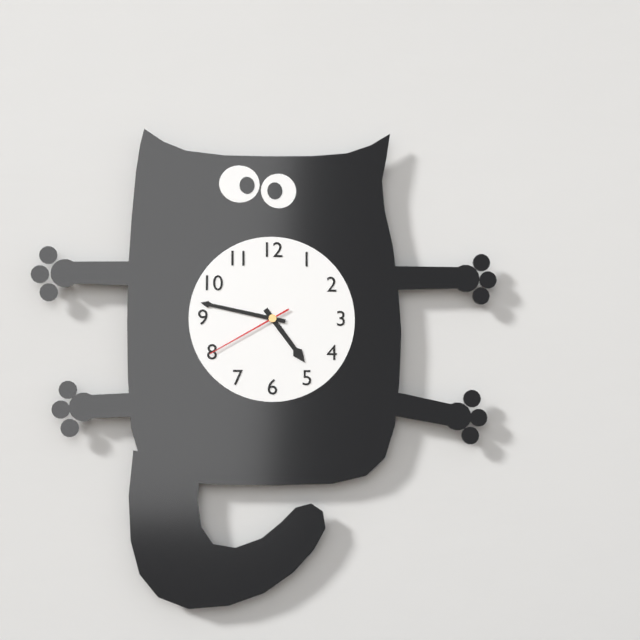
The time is h=4 m=47 s=40
